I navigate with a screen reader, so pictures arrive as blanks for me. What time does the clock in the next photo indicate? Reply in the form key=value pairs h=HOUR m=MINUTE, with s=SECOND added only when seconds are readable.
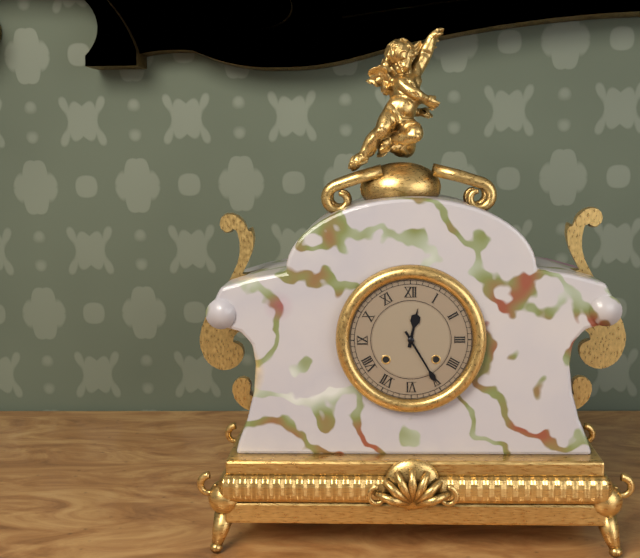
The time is h=12 m=25
